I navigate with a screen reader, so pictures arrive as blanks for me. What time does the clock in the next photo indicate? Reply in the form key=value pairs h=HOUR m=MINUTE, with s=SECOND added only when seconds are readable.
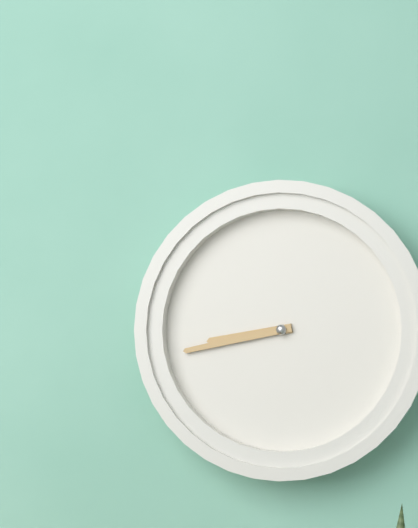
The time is h=8 m=43
